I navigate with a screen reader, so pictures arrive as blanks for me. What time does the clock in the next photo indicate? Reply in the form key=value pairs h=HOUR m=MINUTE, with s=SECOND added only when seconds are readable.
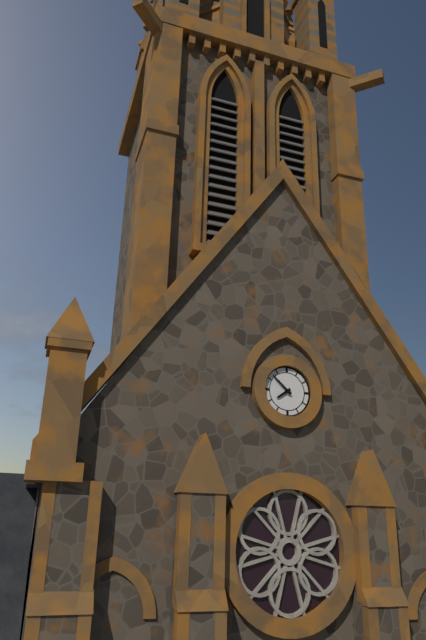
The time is h=7 m=52
